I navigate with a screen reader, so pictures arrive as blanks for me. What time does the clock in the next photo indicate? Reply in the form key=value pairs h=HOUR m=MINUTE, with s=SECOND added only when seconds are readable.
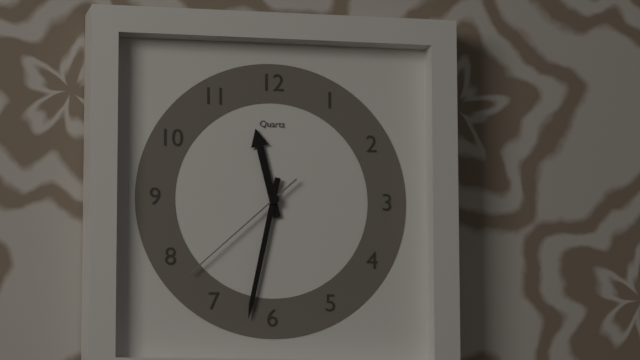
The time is h=11 m=32 s=38
